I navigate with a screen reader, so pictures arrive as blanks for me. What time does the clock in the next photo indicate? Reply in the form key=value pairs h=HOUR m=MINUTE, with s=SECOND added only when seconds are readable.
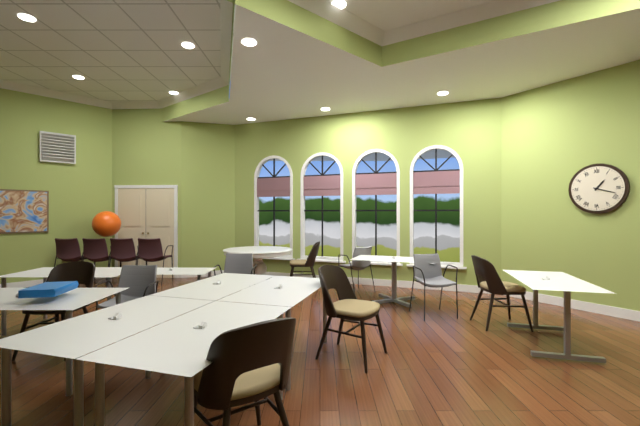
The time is h=1 m=18
